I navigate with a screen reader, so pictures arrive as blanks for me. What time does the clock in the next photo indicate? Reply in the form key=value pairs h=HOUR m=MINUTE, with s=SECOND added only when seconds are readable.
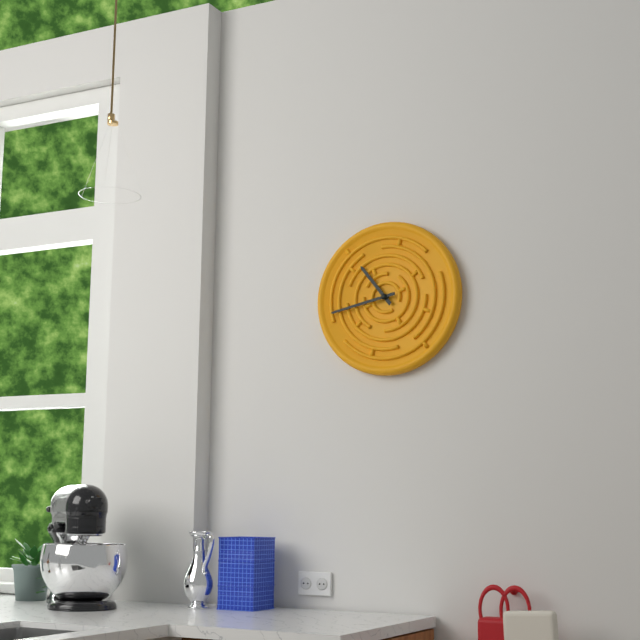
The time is h=10 m=43
